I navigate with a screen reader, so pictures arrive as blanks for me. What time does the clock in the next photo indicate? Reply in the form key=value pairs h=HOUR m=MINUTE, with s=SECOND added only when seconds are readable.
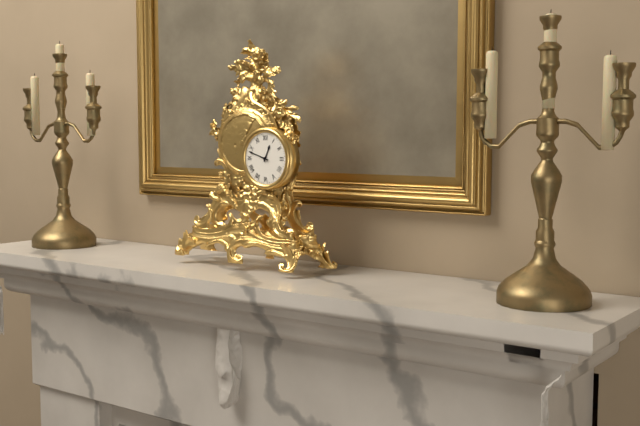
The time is h=12 m=48
